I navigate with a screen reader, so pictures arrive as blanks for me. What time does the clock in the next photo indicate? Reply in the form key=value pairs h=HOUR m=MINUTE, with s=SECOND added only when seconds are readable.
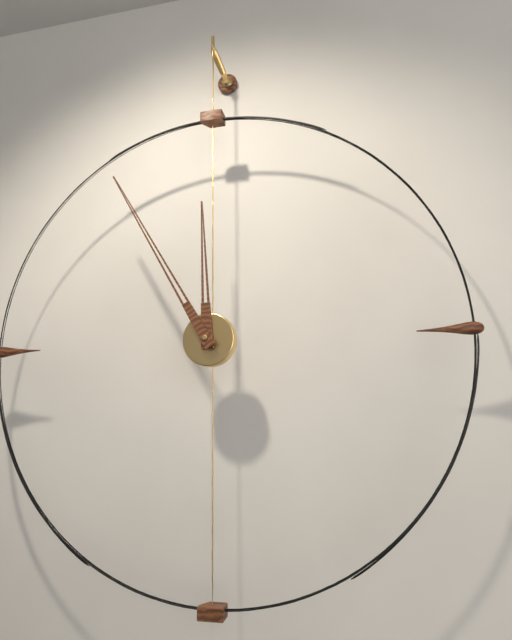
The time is h=11 m=55
